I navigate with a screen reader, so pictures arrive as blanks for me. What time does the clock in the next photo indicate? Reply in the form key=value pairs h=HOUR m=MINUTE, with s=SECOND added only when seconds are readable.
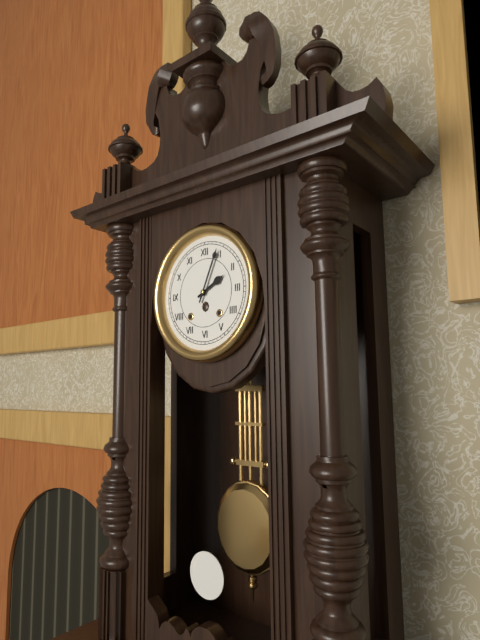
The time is h=2 m=4
